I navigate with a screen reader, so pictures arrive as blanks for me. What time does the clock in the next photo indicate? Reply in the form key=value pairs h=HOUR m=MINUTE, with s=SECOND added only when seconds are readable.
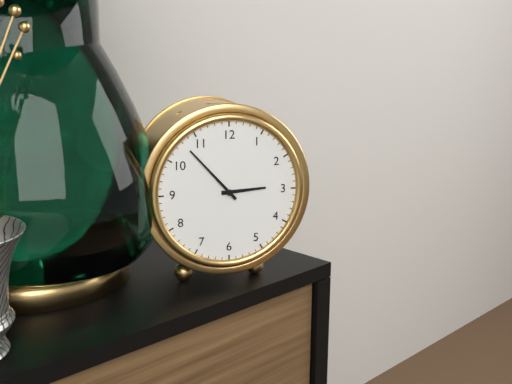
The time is h=2 m=53
